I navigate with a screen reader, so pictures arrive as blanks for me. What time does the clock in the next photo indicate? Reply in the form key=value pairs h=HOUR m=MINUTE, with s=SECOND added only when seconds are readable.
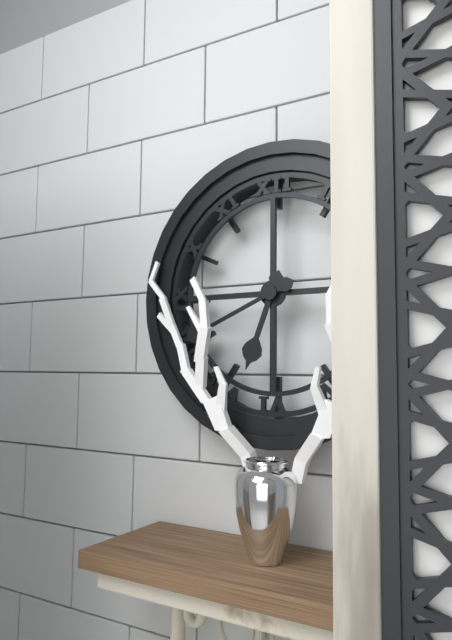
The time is h=6 m=41
